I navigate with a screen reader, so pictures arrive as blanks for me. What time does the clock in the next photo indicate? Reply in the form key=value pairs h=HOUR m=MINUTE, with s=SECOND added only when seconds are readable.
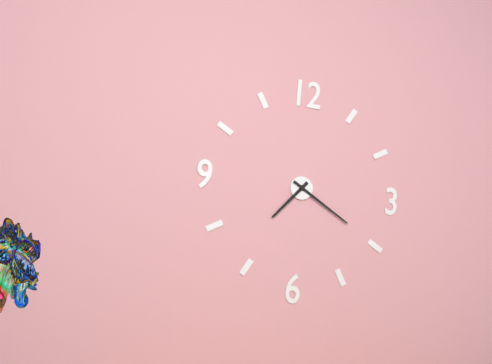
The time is h=7 m=20
